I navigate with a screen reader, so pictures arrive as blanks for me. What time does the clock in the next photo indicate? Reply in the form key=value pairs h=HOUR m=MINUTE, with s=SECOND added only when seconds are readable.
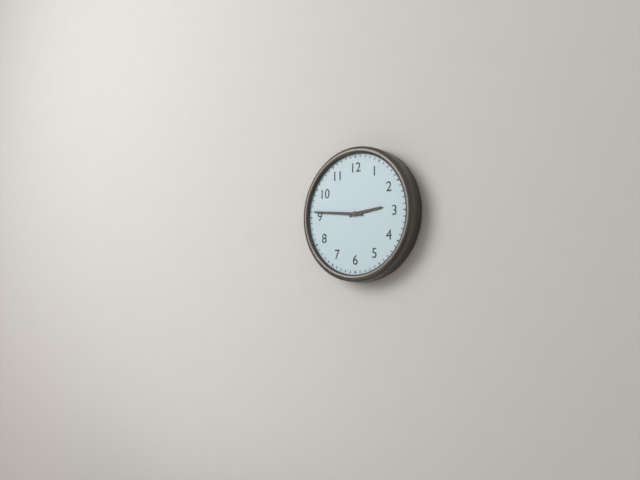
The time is h=2 m=46
